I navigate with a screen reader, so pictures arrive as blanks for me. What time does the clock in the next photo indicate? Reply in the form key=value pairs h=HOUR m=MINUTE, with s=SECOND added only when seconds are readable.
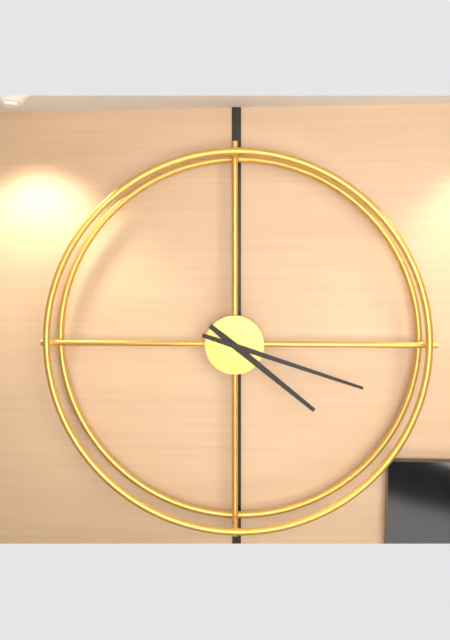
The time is h=4 m=18
